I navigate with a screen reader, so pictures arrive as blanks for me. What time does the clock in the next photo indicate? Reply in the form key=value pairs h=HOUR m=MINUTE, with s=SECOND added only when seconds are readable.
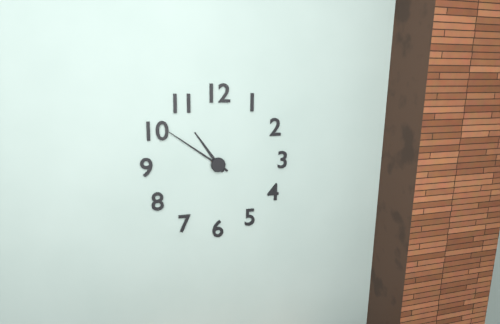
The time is h=10 m=51
